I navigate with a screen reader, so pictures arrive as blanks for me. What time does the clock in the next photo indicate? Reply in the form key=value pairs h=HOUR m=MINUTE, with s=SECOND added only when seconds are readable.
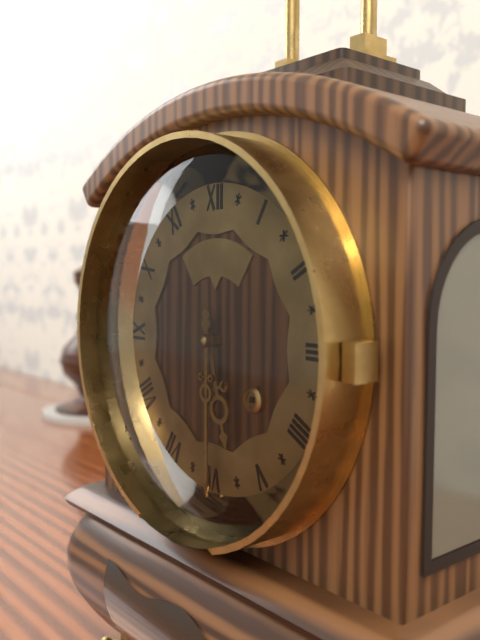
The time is h=5 m=30
